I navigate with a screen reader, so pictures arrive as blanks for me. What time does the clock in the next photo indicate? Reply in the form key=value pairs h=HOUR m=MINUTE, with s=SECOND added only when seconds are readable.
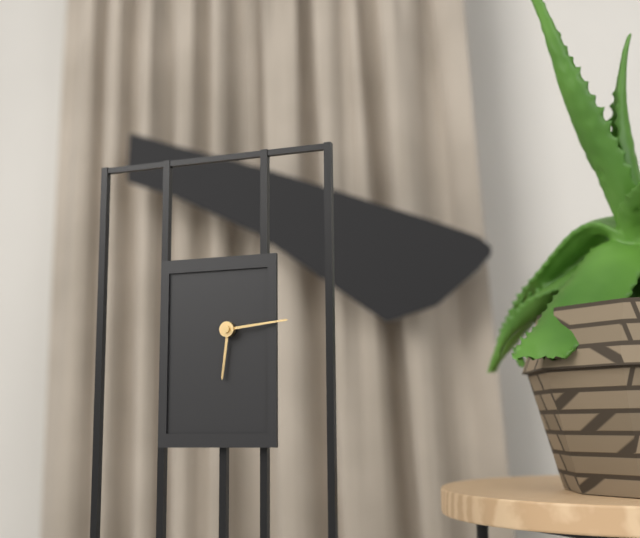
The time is h=6 m=14
